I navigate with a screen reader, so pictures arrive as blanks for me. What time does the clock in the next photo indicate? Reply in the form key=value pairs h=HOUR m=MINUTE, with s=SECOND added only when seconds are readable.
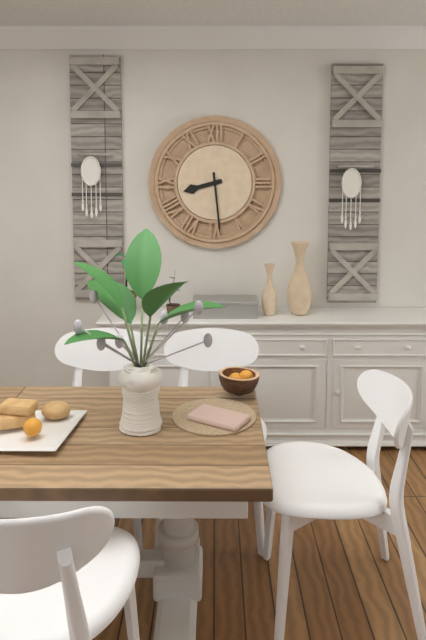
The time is h=8 m=29
